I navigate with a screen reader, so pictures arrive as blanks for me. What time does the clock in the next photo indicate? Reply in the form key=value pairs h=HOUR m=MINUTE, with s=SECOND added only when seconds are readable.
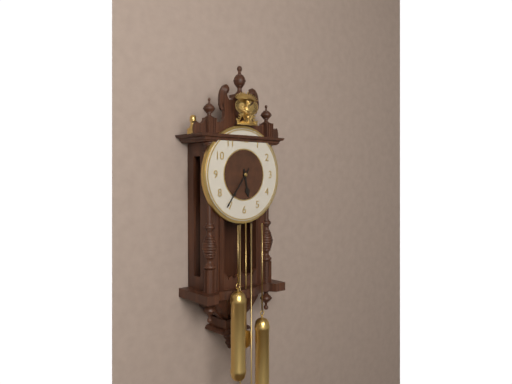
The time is h=5 m=36
